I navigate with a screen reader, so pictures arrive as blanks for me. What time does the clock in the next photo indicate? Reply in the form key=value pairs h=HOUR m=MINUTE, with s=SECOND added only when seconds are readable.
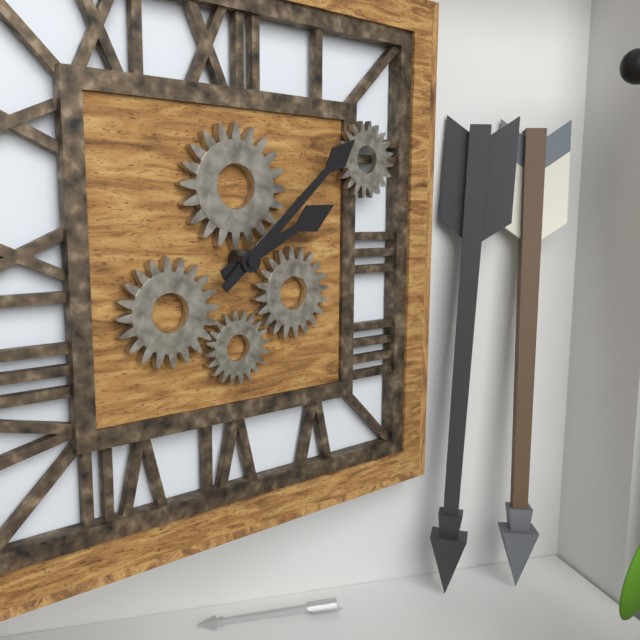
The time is h=2 m=8
